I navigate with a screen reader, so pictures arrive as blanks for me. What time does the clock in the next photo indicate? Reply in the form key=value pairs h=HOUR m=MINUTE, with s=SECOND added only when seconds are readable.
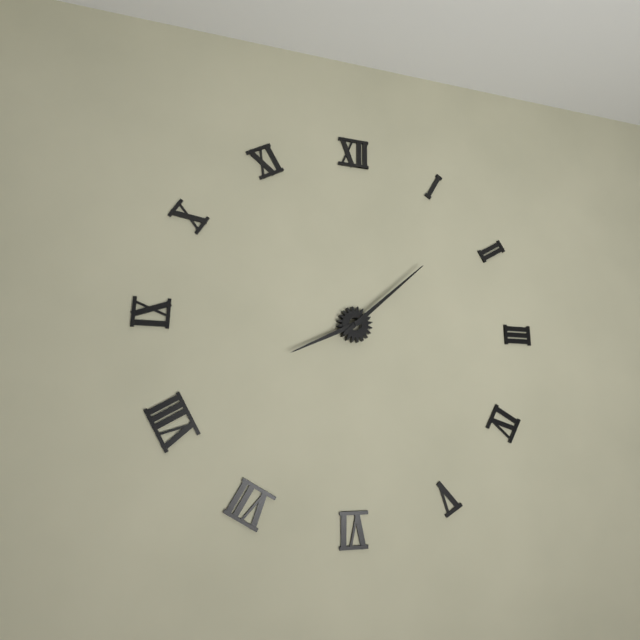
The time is h=8 m=8
